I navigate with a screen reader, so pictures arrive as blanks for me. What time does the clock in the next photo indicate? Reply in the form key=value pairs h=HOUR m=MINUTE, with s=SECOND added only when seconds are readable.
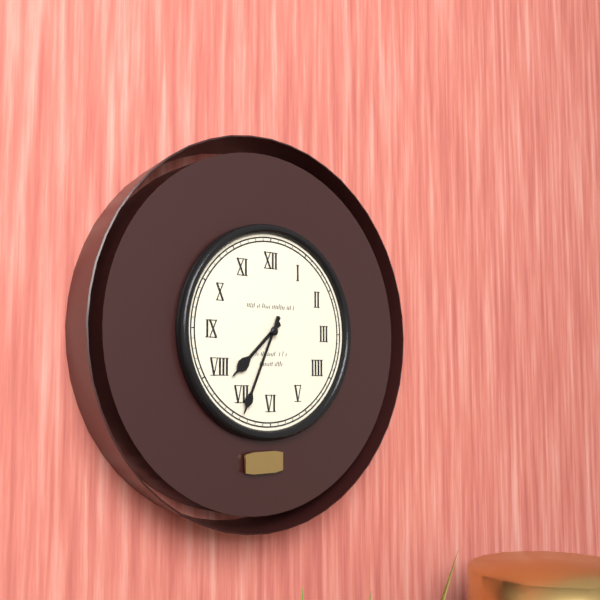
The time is h=7 m=34
